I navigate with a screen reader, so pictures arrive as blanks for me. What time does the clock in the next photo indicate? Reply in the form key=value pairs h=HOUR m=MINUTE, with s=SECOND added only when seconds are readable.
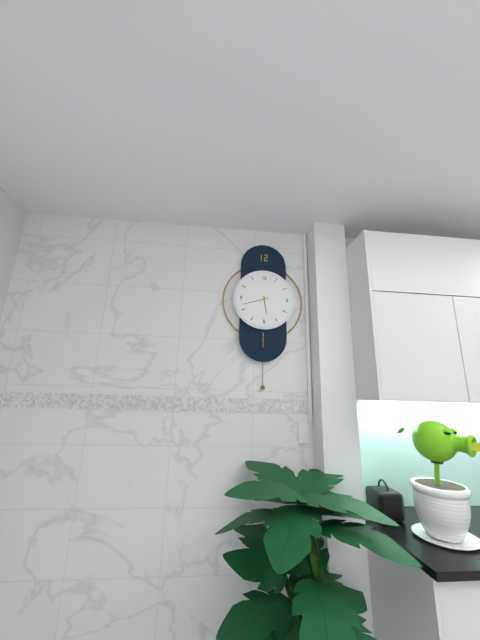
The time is h=5 m=42
